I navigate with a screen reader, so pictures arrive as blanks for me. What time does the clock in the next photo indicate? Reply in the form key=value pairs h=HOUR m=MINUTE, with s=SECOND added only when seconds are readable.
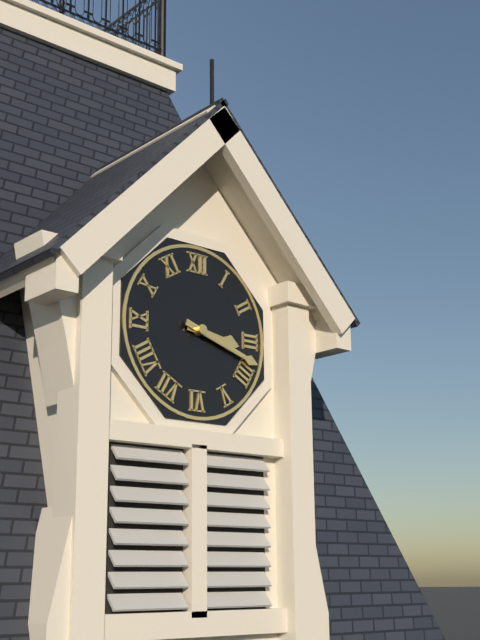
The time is h=3 m=18
